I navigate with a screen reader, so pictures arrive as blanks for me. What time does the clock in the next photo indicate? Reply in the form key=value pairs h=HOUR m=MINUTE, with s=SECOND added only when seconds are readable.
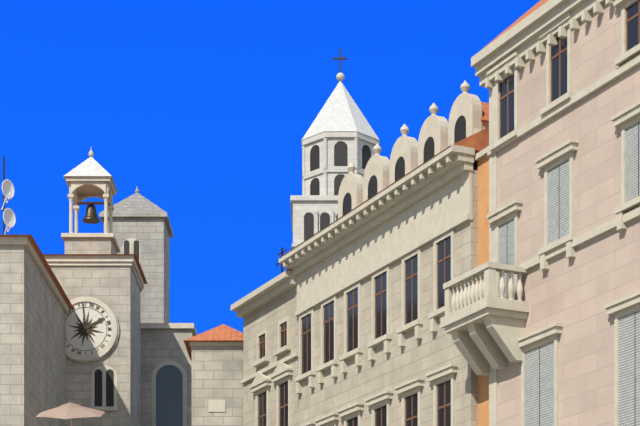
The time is h=1 m=59
